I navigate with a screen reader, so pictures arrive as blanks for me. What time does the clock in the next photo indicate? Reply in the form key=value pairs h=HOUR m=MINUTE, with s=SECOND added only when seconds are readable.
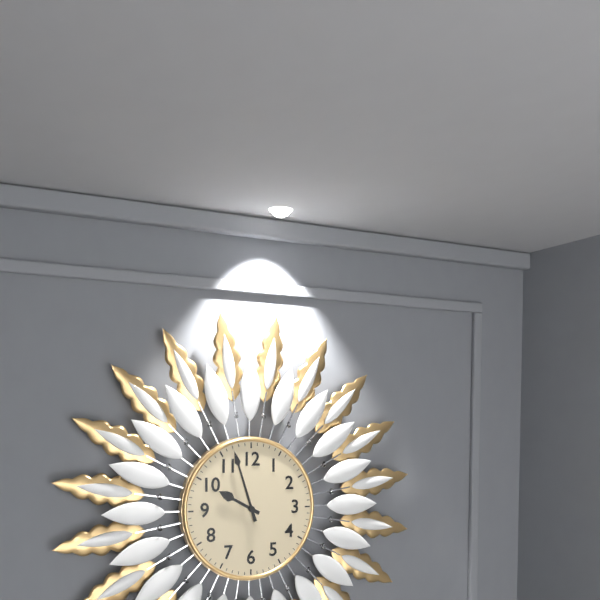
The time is h=9 m=57
